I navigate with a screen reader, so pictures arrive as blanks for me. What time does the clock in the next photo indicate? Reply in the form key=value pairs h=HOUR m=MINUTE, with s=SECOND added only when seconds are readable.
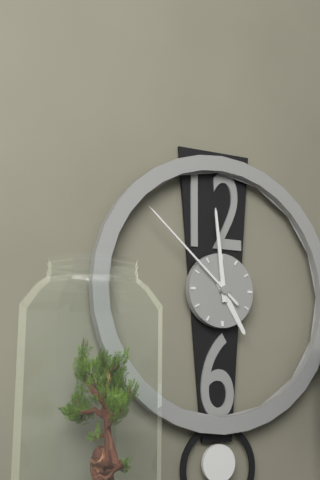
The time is h=4 m=59 s=52
